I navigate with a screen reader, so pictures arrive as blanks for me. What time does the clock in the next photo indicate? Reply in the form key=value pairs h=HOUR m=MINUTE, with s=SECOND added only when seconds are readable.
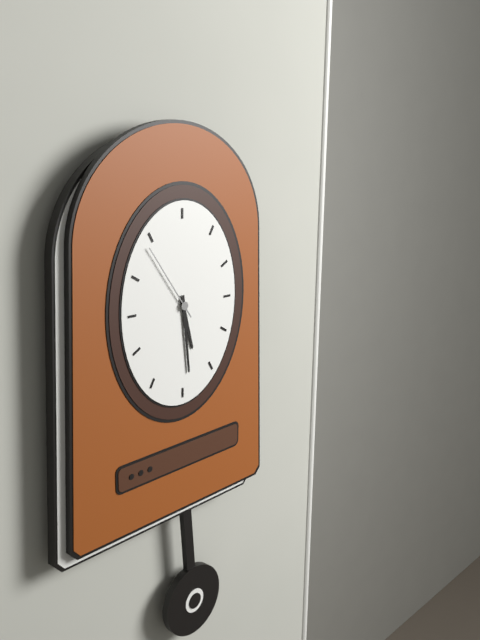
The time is h=5 m=29 s=54
